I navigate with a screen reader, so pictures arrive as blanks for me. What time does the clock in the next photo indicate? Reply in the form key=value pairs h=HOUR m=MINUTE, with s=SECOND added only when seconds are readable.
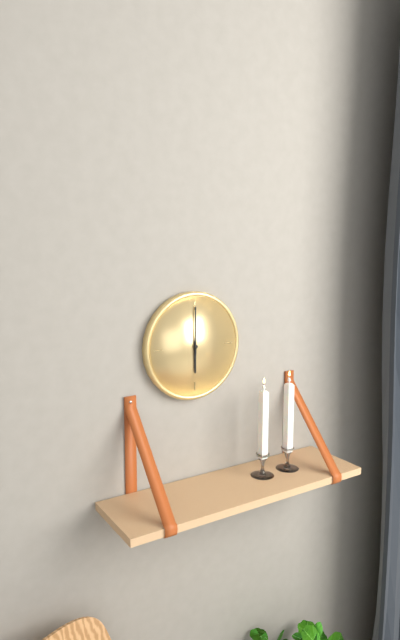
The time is h=6 m=0
